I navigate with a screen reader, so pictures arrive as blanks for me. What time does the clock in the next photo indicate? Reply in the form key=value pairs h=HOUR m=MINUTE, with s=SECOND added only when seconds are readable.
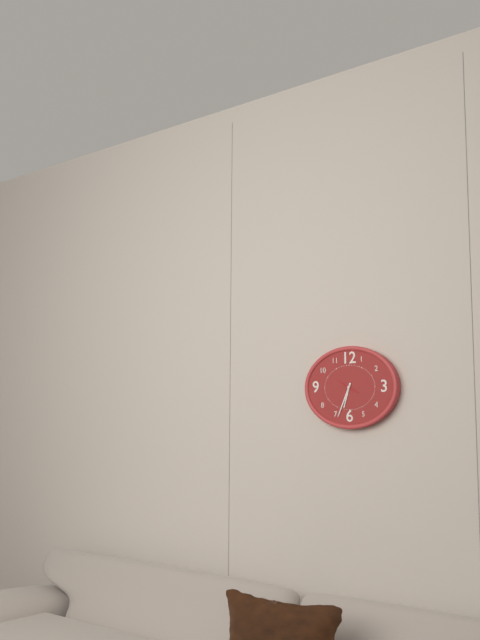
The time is h=6 m=34
